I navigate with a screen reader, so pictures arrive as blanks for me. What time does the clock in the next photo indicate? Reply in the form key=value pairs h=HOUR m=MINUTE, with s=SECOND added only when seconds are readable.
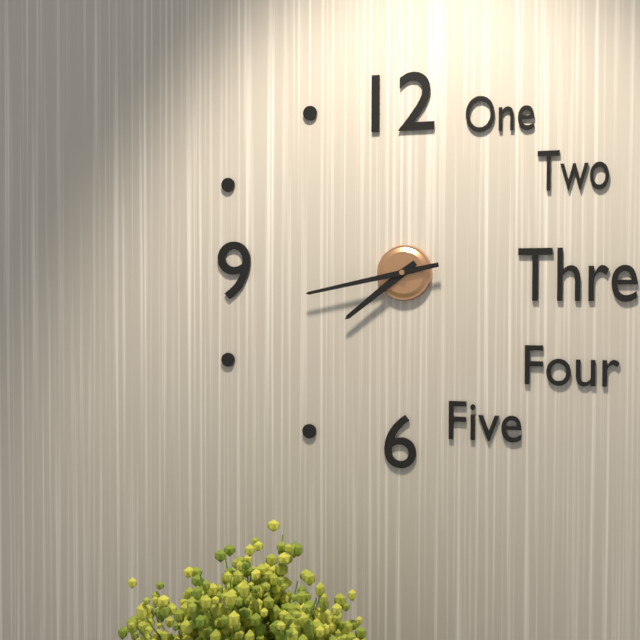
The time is h=7 m=43
